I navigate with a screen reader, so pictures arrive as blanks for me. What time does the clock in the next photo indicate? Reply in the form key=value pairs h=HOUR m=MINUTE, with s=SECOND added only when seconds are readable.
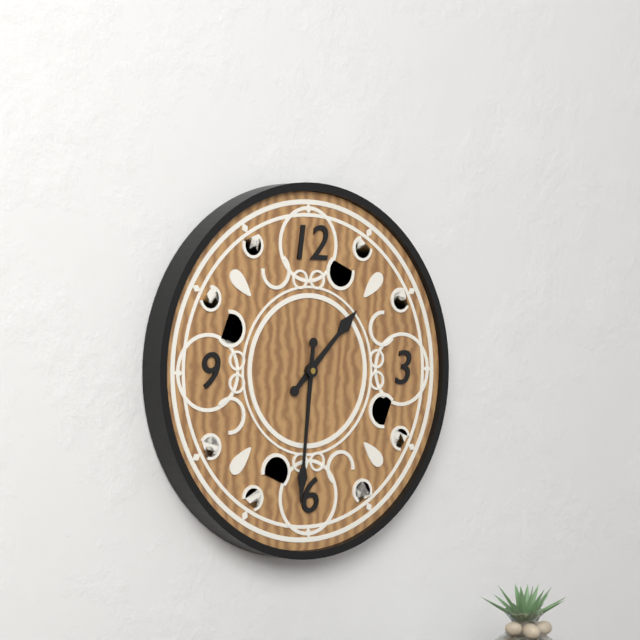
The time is h=1 m=31
